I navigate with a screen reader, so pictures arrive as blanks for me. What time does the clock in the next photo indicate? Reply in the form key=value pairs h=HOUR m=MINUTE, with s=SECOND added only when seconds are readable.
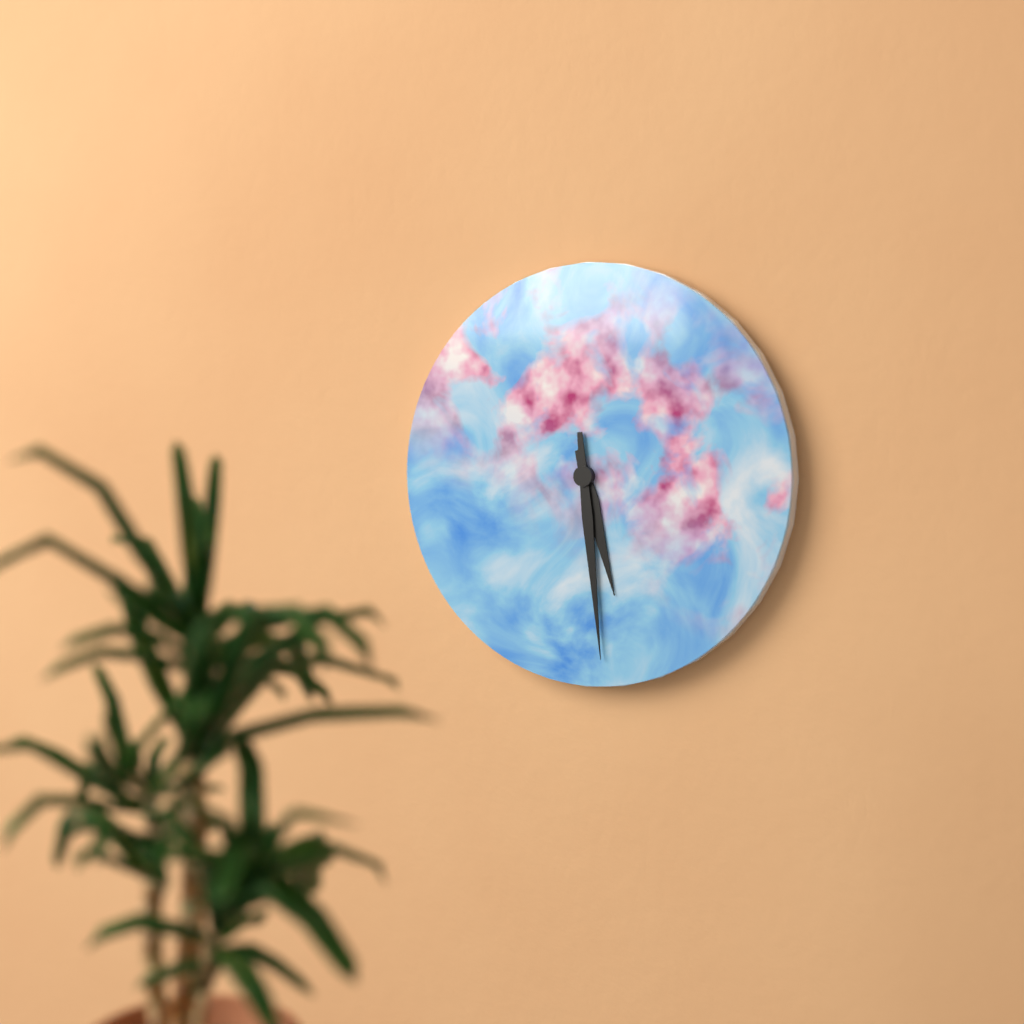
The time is h=5 m=29
